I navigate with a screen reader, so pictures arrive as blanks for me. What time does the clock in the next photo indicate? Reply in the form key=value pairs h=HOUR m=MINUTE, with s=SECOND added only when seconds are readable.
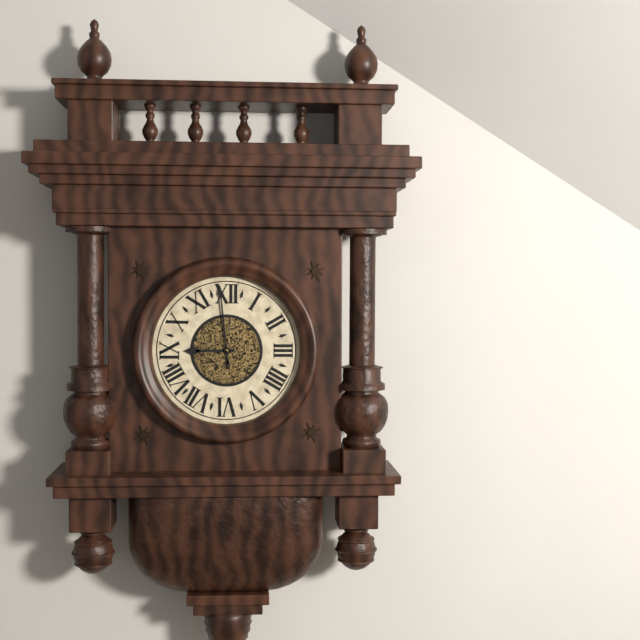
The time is h=8 m=59
